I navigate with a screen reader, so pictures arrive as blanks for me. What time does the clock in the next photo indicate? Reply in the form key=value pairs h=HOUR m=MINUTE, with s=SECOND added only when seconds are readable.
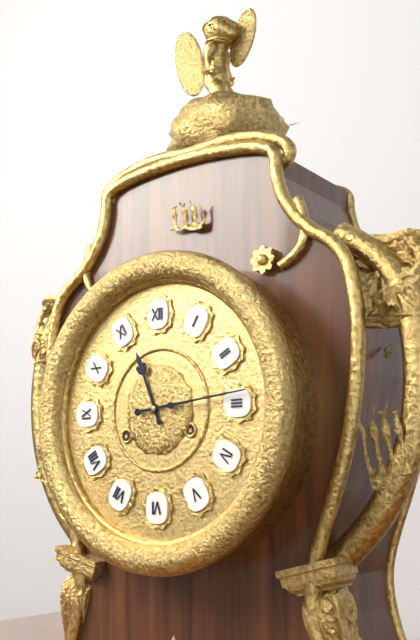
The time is h=11 m=14
